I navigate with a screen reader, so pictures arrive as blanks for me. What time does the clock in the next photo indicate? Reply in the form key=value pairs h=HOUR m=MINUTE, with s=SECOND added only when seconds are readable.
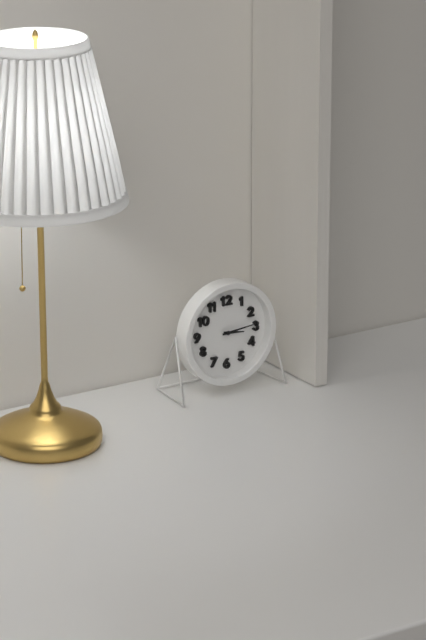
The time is h=3 m=14
